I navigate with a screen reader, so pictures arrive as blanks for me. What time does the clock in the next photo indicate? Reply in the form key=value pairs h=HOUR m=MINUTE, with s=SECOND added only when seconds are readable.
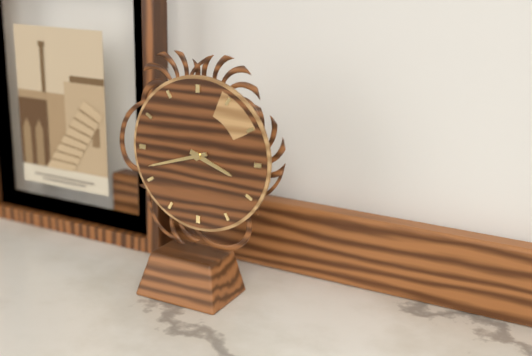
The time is h=3 m=42
